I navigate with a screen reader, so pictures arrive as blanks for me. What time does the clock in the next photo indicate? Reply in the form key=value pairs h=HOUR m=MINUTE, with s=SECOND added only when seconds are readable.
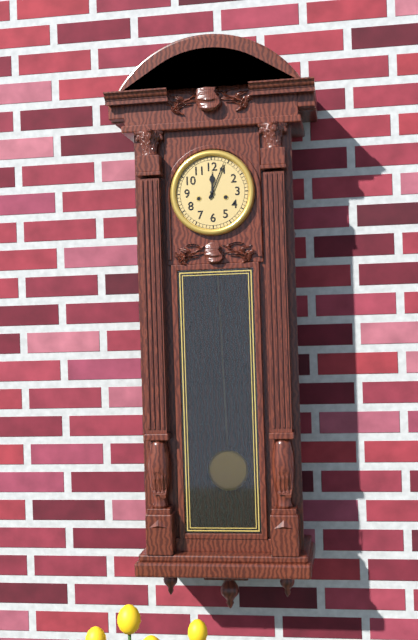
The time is h=12 m=4
